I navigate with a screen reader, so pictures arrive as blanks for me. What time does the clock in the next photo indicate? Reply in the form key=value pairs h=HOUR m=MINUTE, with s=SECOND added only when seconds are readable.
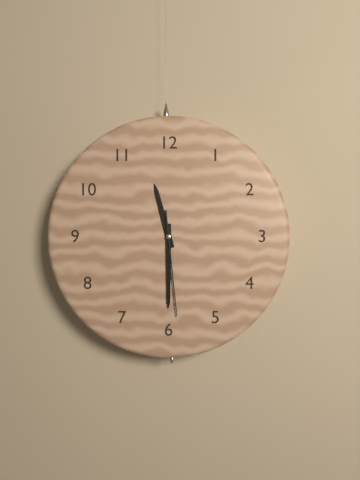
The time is h=11 m=30 s=29
